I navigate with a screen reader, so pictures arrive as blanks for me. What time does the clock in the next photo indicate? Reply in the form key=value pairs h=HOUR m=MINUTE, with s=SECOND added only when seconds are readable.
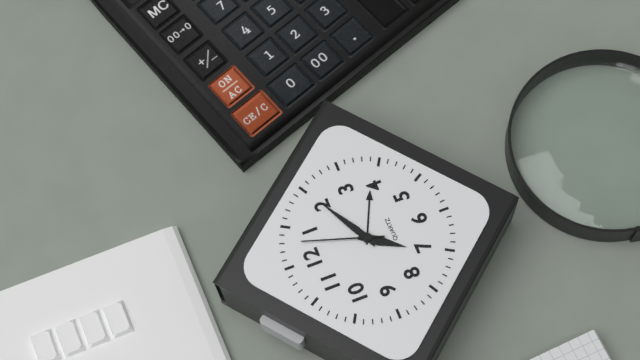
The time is h=7 m=10 s=3
